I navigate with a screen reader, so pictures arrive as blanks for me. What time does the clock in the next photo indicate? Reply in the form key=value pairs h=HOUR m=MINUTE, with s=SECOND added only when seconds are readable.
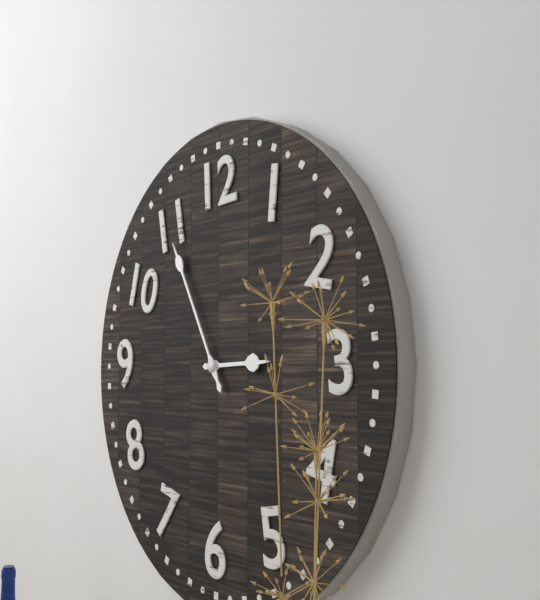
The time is h=2 m=55
